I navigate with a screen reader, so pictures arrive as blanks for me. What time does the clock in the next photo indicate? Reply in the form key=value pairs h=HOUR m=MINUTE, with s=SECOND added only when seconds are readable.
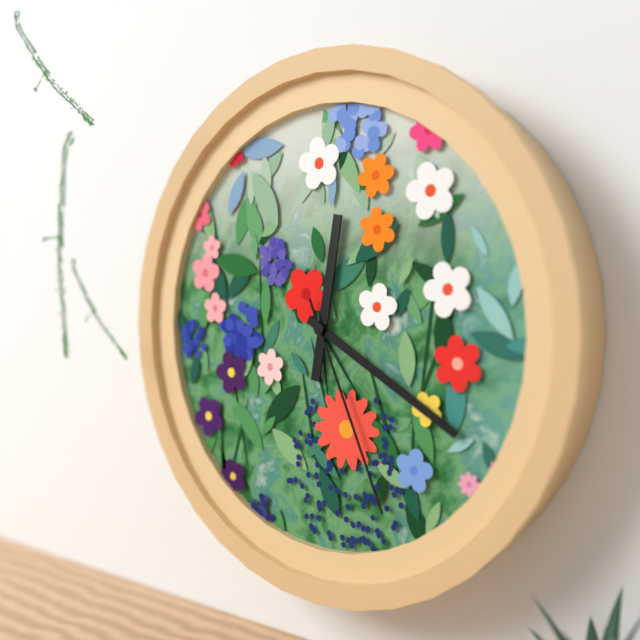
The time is h=12 m=20 s=26
